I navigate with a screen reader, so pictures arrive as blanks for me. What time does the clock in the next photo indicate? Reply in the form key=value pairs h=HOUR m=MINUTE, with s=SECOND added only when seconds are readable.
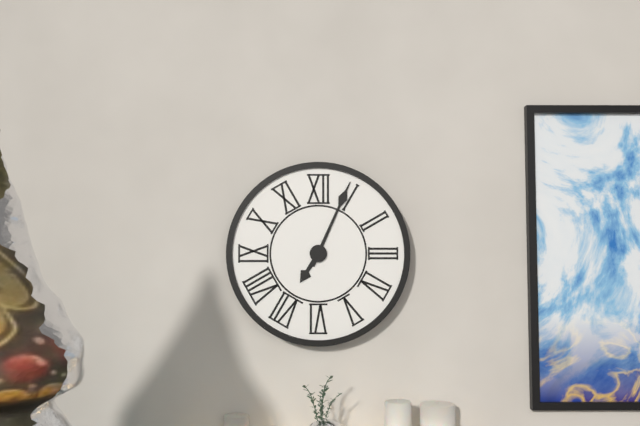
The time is h=7 m=4
